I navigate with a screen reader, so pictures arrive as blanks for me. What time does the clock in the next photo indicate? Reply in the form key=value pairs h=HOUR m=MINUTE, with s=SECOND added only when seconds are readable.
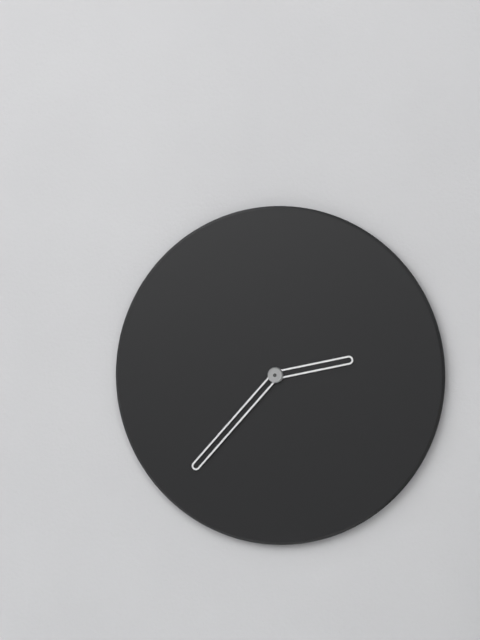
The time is h=2 m=37
